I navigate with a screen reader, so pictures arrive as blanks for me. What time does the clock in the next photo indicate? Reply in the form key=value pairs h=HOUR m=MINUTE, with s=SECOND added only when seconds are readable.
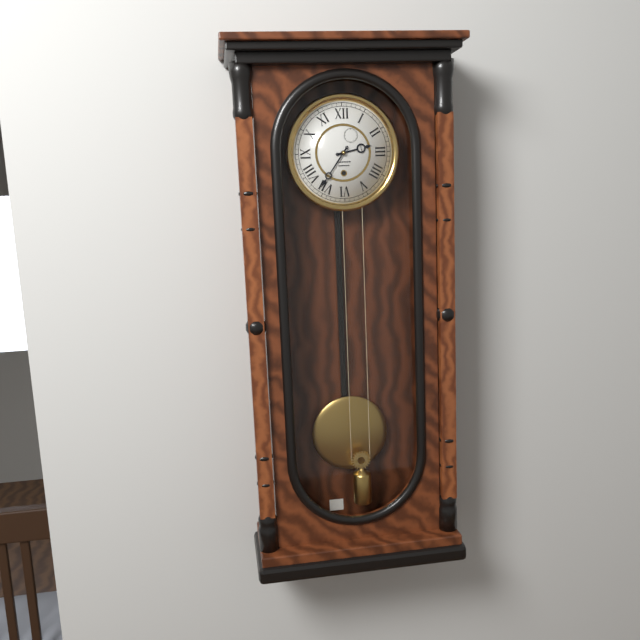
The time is h=2 m=36
